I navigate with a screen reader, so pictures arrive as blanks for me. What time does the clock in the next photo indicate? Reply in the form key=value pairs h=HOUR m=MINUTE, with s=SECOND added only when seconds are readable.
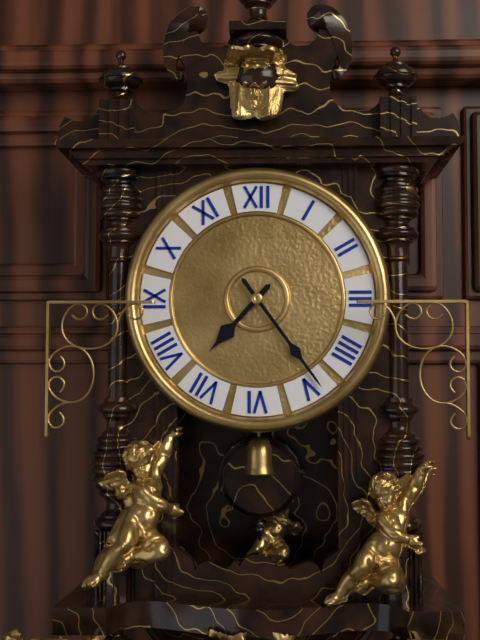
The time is h=7 m=24
